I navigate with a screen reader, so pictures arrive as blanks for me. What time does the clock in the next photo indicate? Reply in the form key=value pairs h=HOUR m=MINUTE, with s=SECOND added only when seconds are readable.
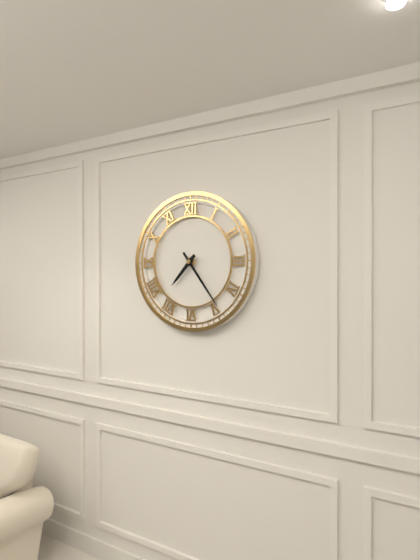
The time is h=7 m=24
